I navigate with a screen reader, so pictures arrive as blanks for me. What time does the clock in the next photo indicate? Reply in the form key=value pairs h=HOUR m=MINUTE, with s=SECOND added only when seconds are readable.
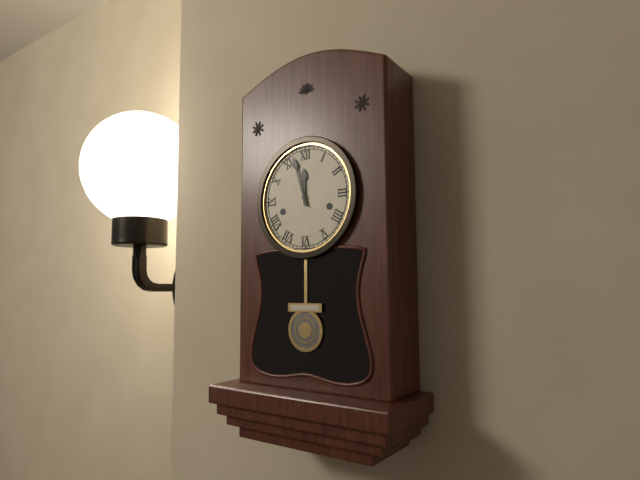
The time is h=11 m=57
